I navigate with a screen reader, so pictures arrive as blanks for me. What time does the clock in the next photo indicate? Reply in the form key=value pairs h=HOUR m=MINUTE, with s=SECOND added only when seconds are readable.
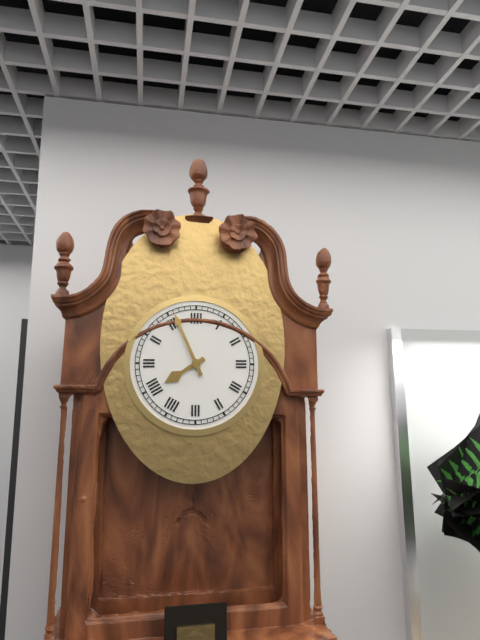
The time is h=7 m=56
